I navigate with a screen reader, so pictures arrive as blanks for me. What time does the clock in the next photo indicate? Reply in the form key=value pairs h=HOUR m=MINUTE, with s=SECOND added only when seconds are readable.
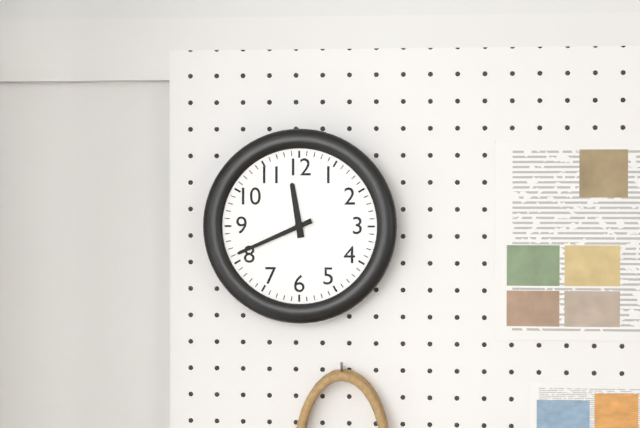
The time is h=11 m=41
